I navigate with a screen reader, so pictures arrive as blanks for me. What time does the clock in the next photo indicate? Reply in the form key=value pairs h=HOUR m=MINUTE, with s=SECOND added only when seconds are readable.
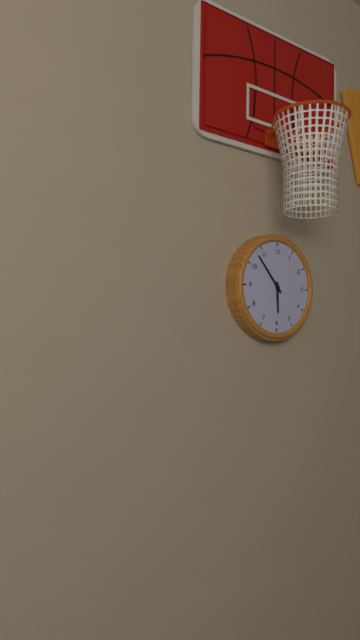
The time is h=5 m=53
